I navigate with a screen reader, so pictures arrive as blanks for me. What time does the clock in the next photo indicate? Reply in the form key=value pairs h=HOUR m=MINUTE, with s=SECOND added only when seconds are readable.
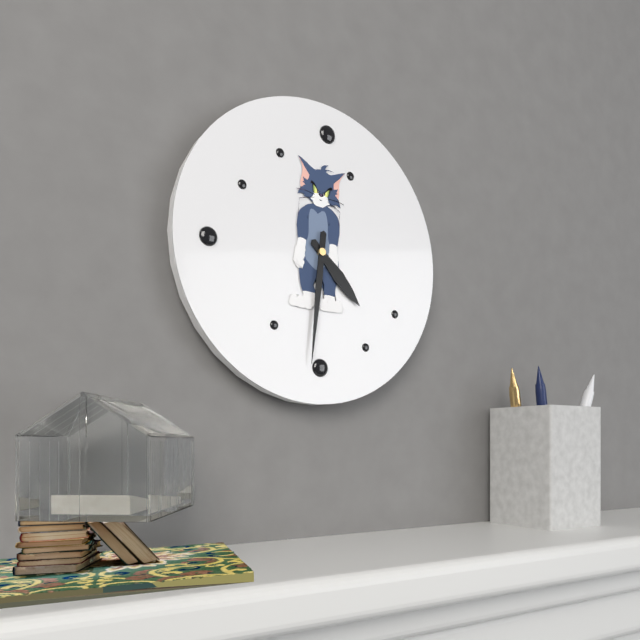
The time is h=4 m=31
